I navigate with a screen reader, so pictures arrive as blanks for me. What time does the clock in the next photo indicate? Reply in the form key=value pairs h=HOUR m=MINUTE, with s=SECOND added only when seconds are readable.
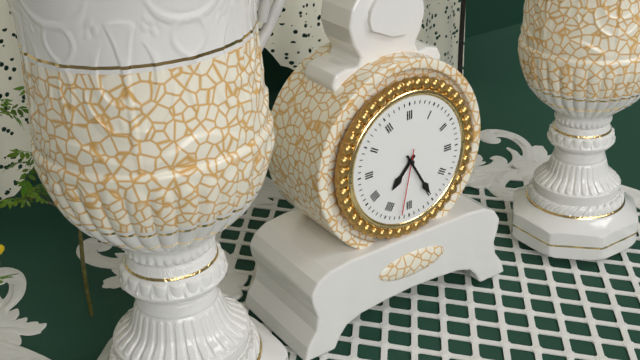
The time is h=7 m=25 s=32
